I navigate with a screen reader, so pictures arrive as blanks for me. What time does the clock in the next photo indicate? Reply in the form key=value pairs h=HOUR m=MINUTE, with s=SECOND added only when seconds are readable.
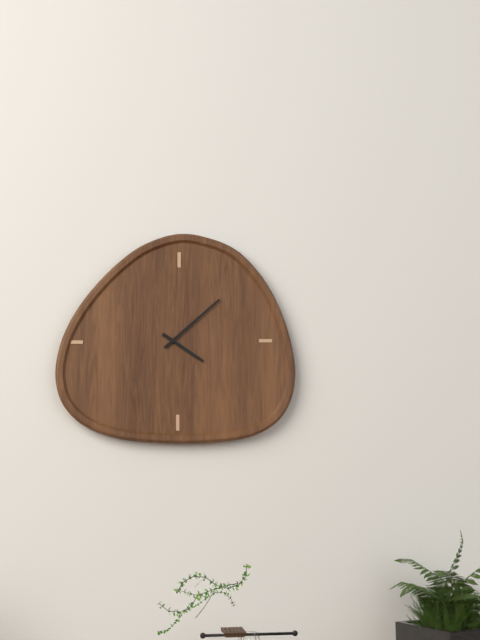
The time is h=4 m=8
